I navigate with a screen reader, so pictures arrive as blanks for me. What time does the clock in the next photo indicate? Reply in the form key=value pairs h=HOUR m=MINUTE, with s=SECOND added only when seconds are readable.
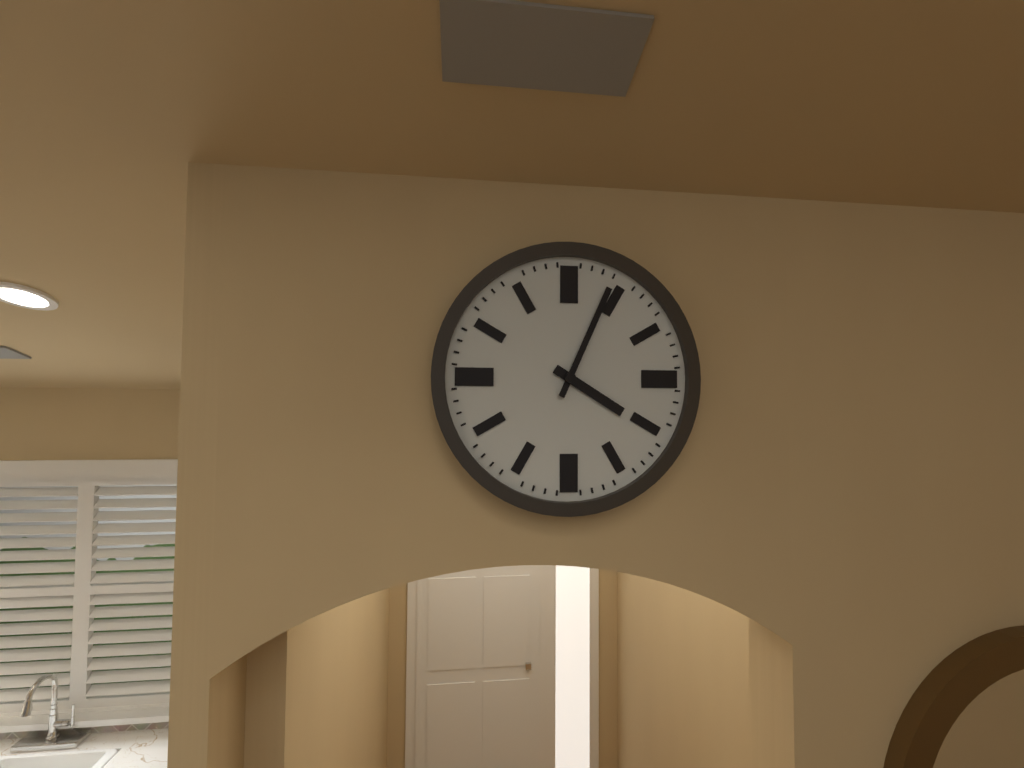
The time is h=4 m=4
